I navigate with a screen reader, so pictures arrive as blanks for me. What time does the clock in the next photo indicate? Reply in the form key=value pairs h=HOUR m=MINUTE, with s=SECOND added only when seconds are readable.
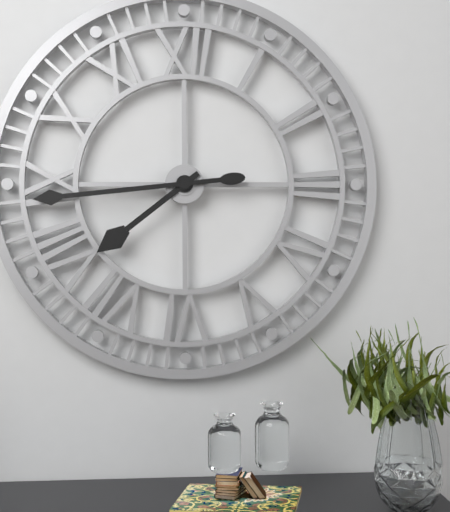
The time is h=7 m=44
